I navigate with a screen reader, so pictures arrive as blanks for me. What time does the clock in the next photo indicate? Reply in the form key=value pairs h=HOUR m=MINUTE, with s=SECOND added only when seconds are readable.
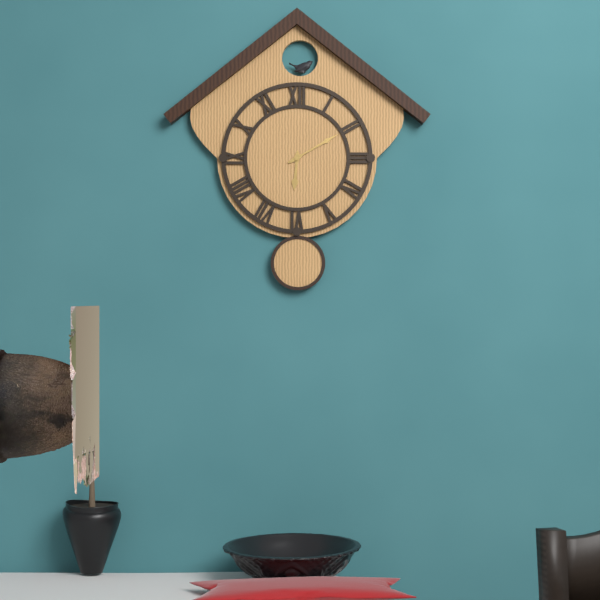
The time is h=6 m=10
